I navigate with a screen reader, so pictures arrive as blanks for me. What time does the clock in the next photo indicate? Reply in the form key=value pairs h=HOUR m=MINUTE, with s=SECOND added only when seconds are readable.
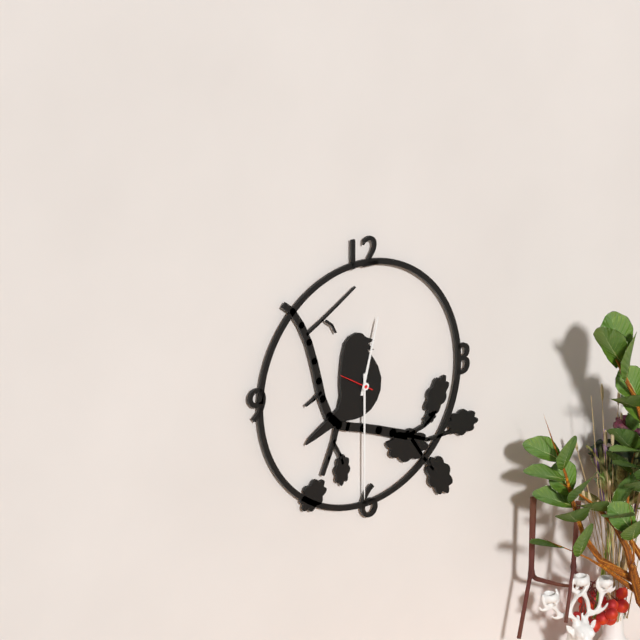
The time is h=12 m=30
